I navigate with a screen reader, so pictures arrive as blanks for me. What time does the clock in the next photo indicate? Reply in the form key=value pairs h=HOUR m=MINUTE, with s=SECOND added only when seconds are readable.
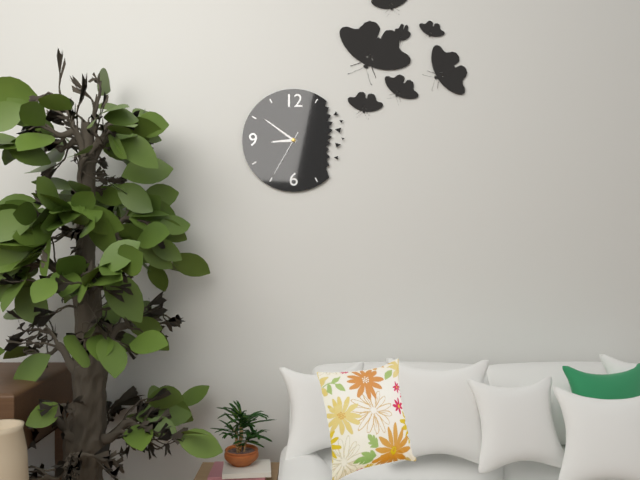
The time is h=8 m=51 s=35
